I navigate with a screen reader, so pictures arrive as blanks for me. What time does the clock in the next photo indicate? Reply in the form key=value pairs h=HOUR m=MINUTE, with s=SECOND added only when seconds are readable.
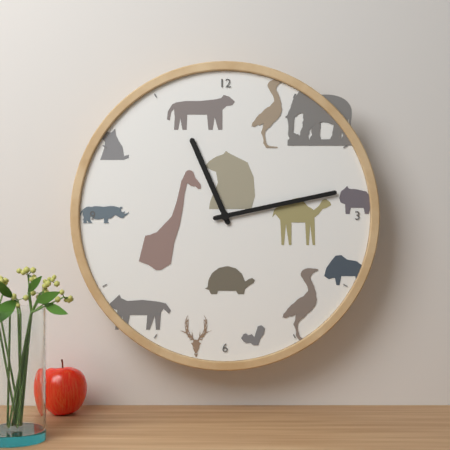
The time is h=11 m=13
